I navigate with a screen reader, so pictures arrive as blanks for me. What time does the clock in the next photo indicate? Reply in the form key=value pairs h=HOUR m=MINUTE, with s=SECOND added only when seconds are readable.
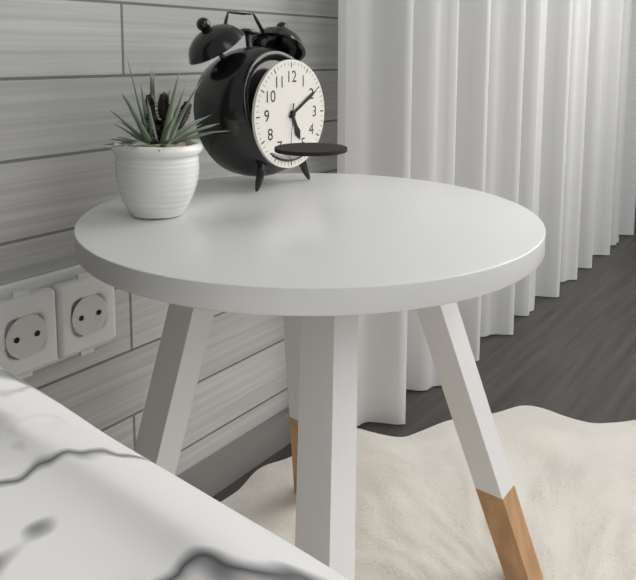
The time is h=5 m=10 s=31
